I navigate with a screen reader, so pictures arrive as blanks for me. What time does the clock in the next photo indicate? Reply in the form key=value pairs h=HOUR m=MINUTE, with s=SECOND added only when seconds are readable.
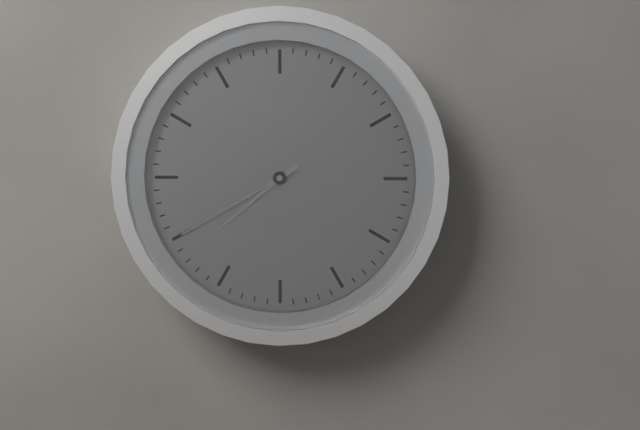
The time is h=7 m=40
